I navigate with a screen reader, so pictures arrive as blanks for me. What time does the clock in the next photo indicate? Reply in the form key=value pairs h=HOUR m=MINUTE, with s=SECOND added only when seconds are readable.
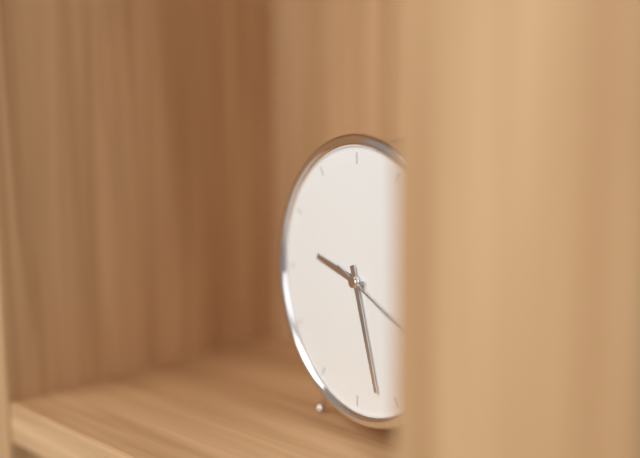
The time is h=9 m=27
